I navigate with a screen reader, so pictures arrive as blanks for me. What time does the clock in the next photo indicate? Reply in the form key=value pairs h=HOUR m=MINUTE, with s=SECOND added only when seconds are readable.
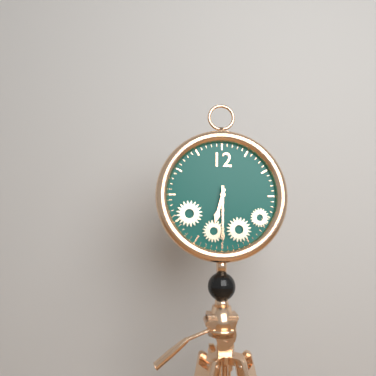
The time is h=6 m=30
